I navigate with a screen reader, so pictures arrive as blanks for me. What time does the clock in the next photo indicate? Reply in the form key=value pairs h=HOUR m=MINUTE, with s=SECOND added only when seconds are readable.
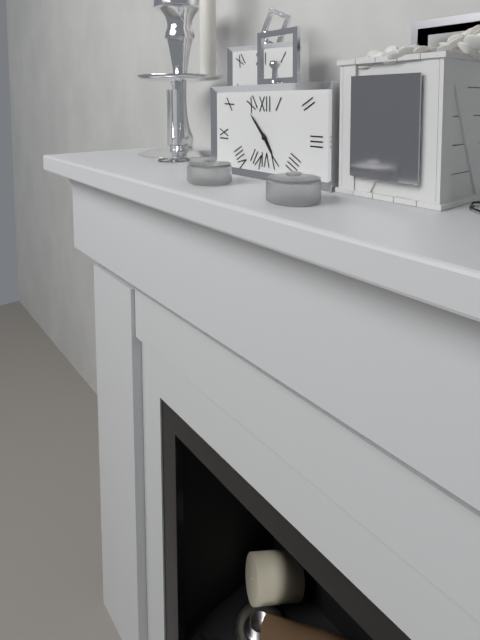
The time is h=4 m=53
